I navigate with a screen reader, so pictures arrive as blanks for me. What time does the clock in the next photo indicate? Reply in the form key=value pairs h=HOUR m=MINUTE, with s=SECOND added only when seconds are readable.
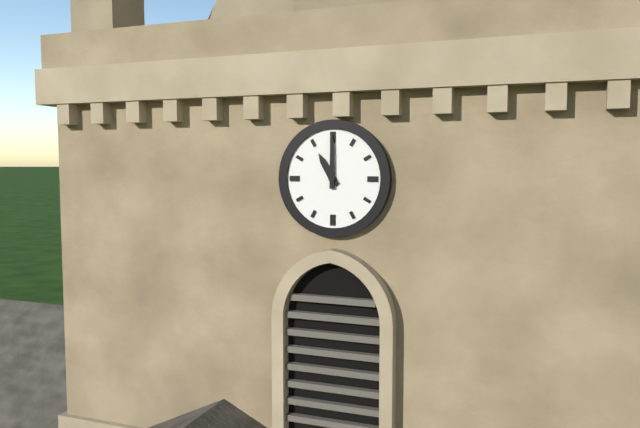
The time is h=11 m=0
